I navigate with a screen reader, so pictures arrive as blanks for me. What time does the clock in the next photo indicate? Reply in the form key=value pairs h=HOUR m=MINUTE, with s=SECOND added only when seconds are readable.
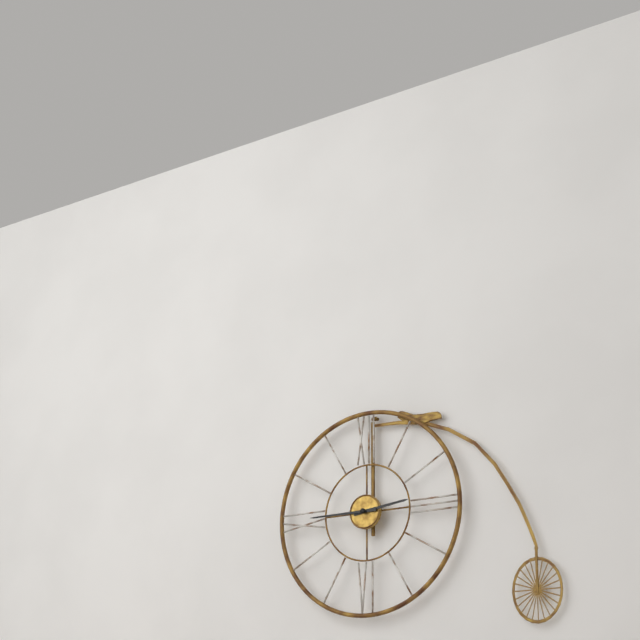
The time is h=2 m=45
